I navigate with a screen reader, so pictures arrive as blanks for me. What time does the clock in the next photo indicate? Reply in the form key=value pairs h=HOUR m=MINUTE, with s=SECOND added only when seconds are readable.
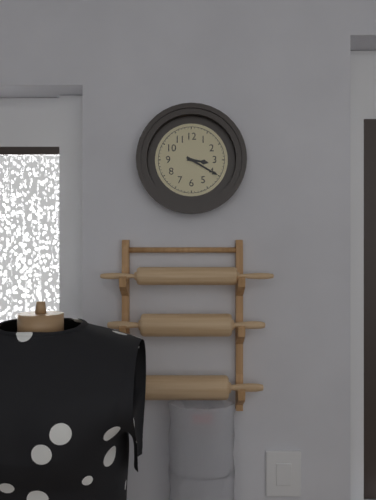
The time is h=3 m=20
